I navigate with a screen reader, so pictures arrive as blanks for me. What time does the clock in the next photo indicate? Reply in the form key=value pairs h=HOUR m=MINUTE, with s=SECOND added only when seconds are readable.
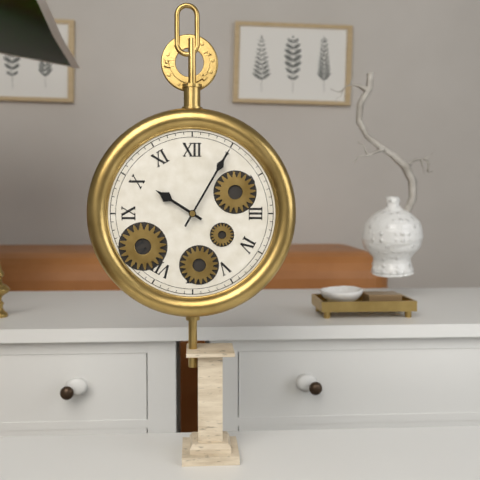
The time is h=10 m=5
